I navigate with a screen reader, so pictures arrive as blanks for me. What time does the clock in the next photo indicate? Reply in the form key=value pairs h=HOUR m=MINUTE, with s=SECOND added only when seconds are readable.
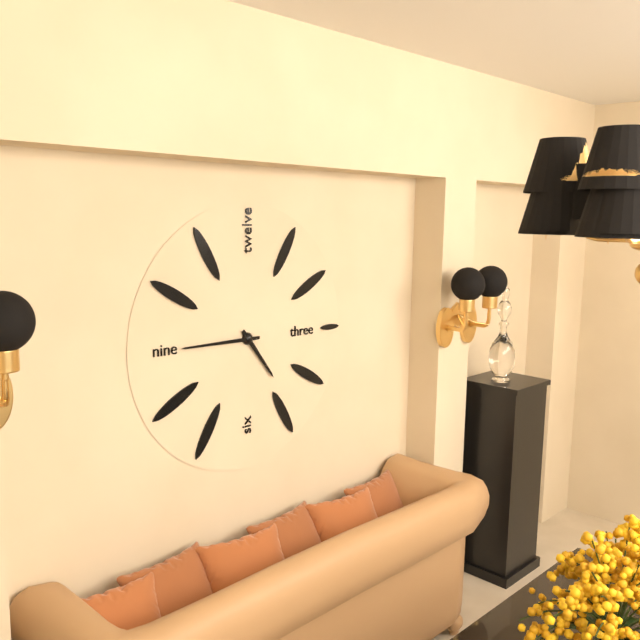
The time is h=4 m=45
